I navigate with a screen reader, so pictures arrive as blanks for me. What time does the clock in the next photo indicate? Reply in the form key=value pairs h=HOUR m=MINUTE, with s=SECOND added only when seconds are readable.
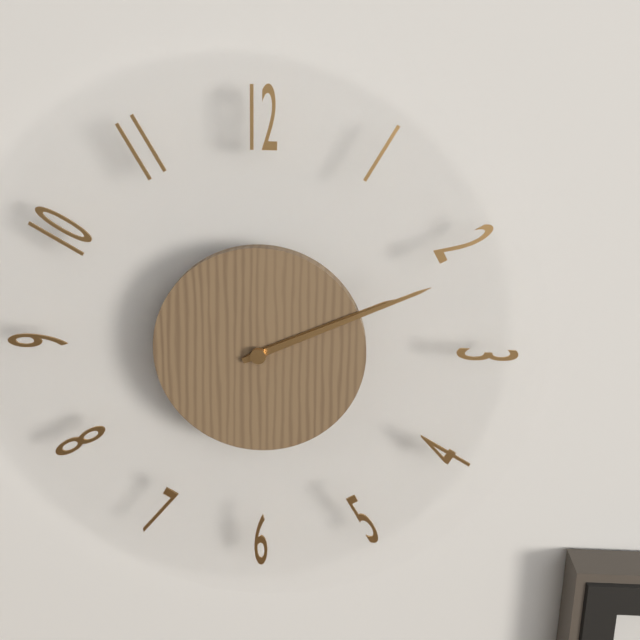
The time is h=2 m=11
